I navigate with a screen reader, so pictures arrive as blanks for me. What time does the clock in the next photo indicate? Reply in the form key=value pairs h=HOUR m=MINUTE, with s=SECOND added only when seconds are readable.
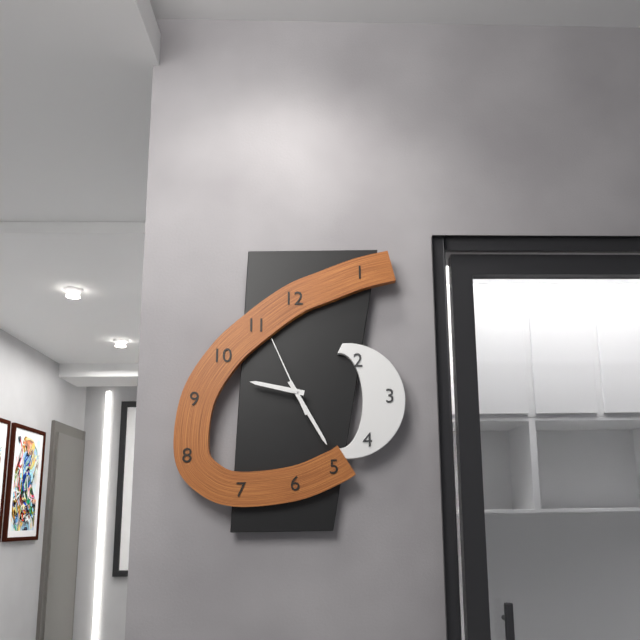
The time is h=9 m=25 s=56
